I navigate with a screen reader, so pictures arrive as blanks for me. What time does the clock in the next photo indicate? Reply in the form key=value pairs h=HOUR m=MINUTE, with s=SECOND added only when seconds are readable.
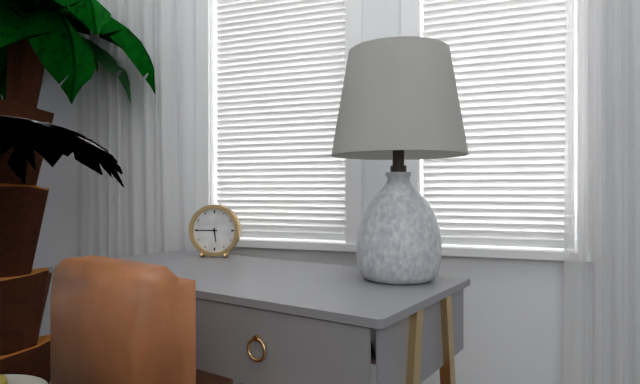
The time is h=5 m=45
